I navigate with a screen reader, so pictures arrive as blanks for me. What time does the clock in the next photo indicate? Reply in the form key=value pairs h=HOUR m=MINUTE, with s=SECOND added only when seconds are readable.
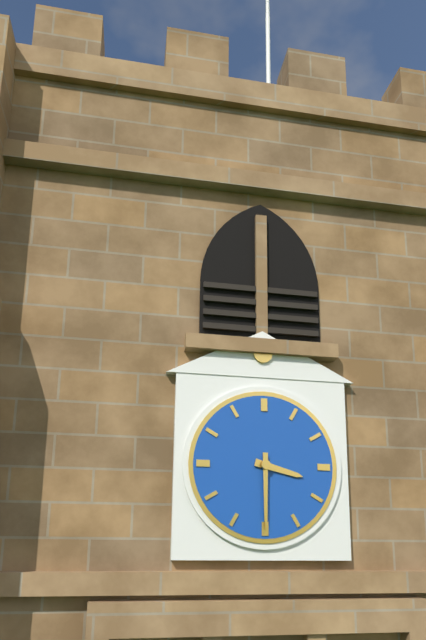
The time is h=3 m=30
